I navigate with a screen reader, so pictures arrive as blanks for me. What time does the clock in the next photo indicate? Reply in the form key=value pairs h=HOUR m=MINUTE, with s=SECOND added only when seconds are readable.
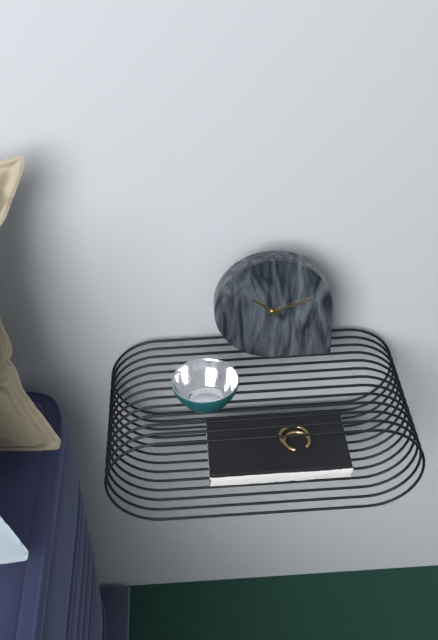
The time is h=10 m=12
